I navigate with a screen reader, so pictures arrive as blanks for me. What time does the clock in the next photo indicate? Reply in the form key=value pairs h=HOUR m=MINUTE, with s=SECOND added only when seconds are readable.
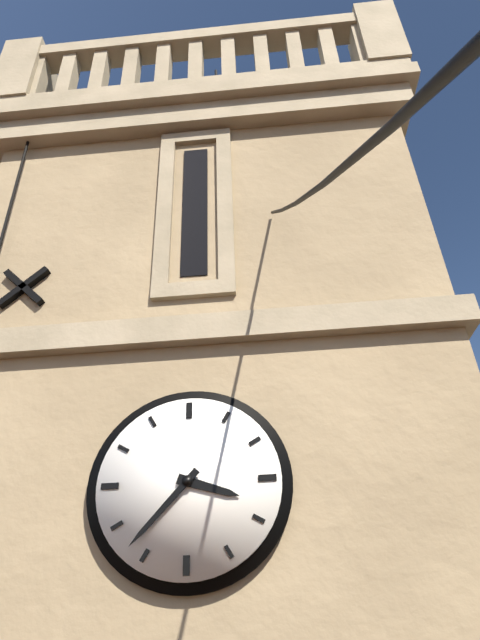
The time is h=3 m=37
